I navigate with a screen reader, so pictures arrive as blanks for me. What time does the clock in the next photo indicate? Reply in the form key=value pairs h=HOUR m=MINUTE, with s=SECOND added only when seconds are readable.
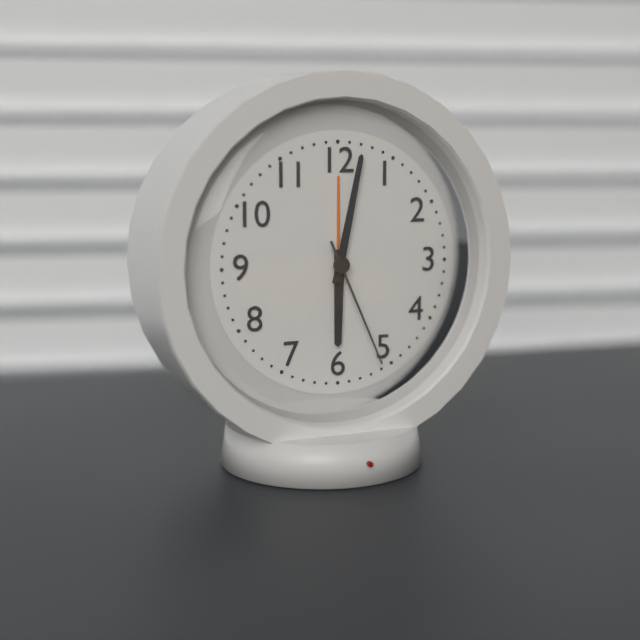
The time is h=6 m=2 s=26
